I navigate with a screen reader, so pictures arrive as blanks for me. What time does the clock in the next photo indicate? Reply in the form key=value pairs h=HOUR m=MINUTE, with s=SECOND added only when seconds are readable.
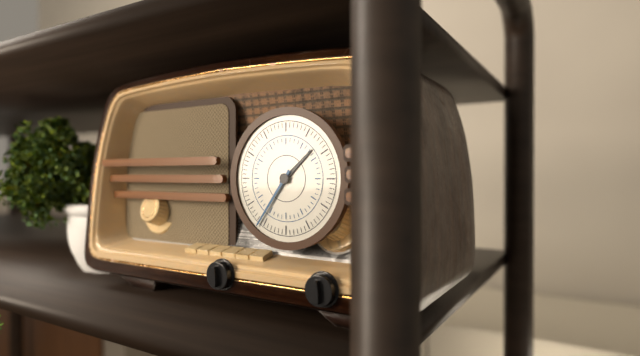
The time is h=1 m=36
